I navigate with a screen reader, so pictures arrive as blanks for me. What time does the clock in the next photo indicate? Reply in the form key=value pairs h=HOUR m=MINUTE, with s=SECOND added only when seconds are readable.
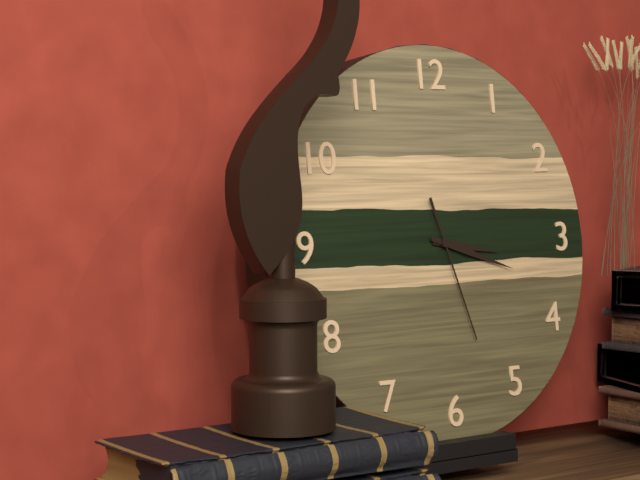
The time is h=3 m=18 s=27
